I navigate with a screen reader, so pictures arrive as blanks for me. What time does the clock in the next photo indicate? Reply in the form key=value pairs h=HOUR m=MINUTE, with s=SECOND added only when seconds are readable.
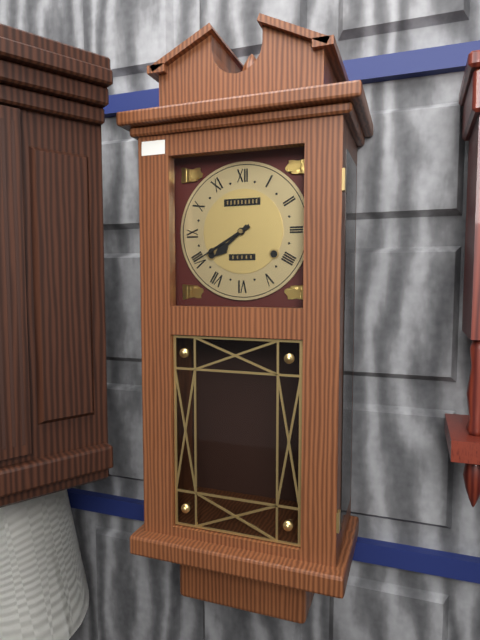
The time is h=7 m=40
